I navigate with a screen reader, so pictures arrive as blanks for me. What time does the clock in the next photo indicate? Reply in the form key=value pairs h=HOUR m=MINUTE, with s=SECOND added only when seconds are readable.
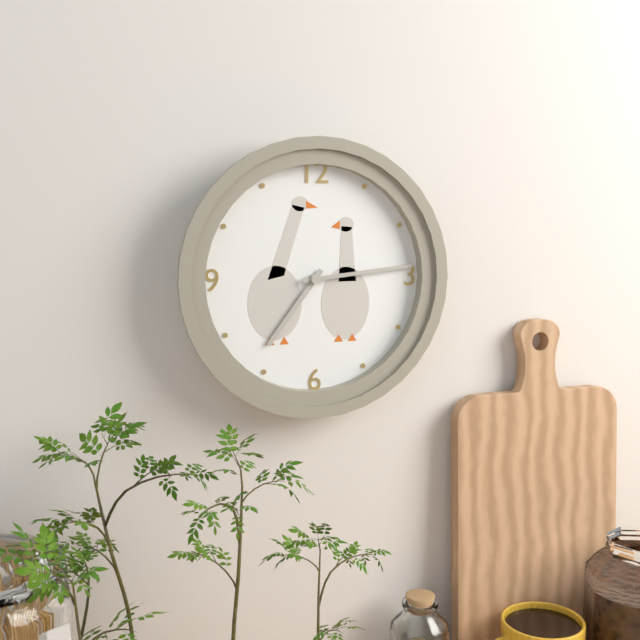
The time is h=7 m=14
